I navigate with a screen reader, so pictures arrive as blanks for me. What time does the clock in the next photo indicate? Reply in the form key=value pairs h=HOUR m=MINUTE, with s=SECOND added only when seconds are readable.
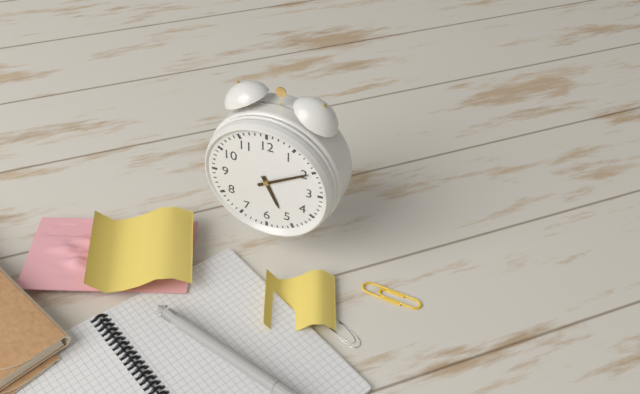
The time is h=5 m=10
